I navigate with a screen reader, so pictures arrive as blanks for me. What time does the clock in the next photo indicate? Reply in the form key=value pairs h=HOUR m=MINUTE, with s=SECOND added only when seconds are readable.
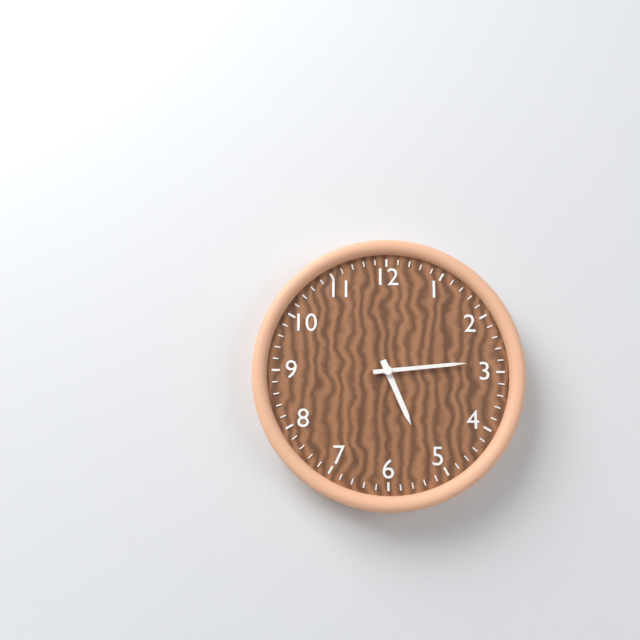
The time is h=5 m=14
